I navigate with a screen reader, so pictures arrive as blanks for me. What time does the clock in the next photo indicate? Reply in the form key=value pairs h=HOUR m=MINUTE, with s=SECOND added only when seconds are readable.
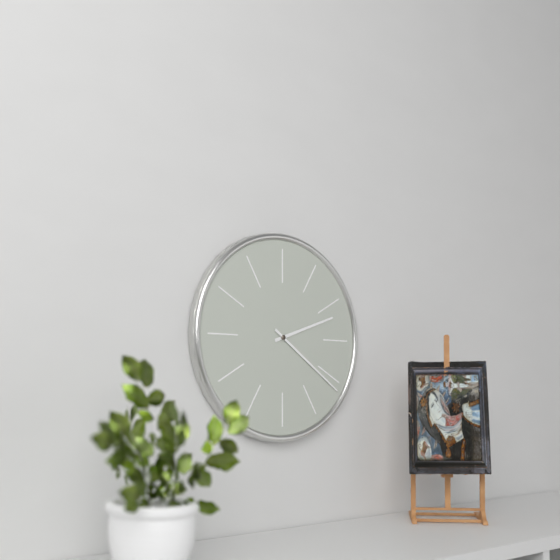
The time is h=2 m=21
